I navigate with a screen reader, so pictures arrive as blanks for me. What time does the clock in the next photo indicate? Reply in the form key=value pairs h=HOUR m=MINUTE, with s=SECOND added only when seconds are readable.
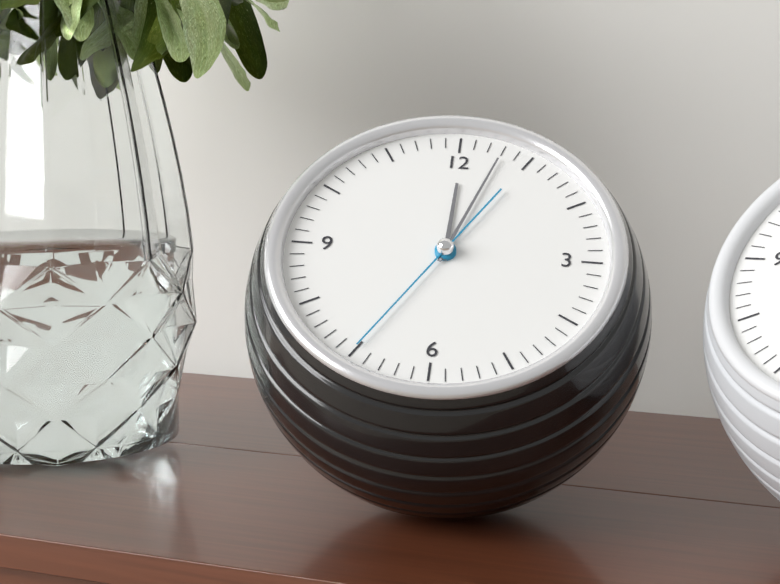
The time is h=12 m=3 s=35
